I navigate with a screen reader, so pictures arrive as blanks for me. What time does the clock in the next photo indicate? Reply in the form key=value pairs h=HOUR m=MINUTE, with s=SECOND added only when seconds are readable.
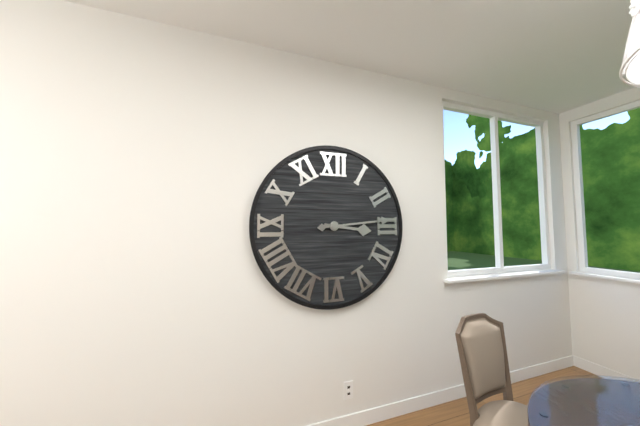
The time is h=3 m=14
